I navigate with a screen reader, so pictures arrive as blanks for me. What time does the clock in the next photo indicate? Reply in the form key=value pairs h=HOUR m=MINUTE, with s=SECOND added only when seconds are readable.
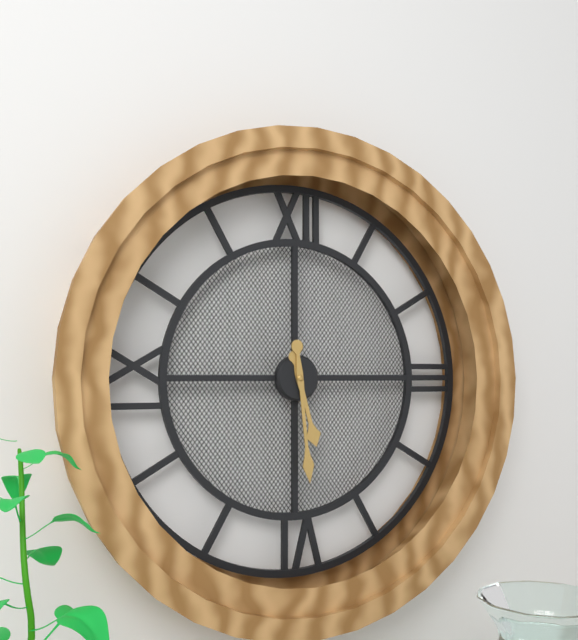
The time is h=5 m=29
